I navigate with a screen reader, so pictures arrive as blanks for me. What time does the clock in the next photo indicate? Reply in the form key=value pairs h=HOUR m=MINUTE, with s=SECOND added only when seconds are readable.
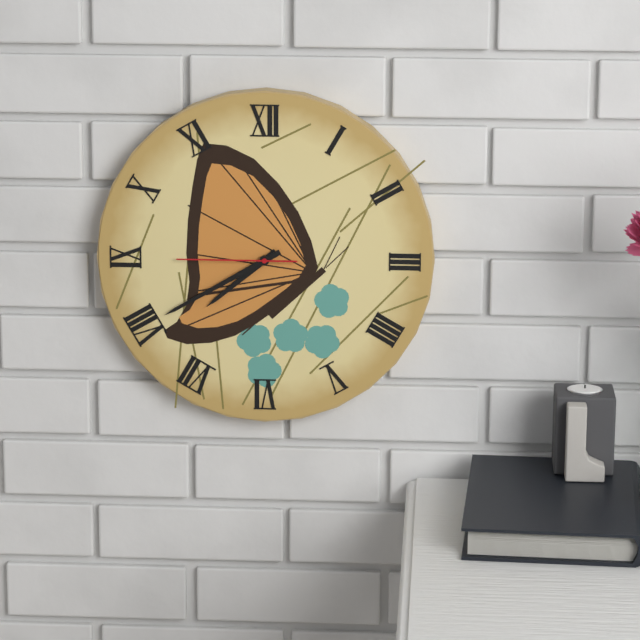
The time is h=7 m=40 s=45
